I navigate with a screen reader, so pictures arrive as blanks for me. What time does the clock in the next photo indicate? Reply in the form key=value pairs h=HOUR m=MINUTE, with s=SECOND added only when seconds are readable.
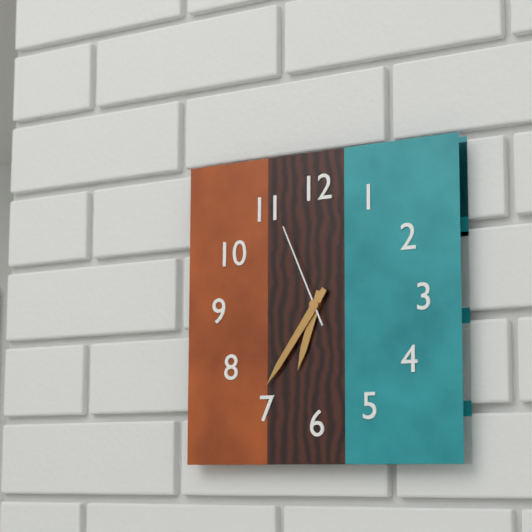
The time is h=6 m=36 s=56
